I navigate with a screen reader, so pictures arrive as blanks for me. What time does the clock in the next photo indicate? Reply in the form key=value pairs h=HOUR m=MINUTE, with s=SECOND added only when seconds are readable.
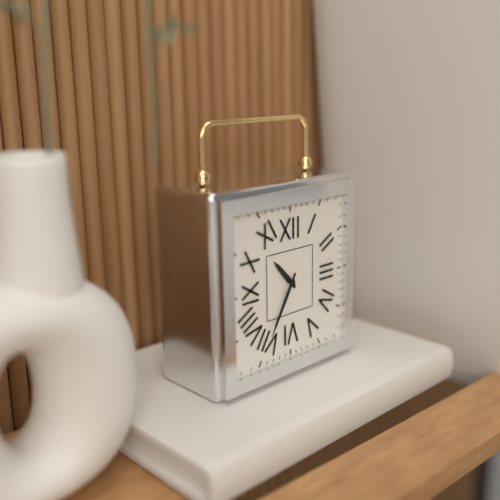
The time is h=10 m=35
